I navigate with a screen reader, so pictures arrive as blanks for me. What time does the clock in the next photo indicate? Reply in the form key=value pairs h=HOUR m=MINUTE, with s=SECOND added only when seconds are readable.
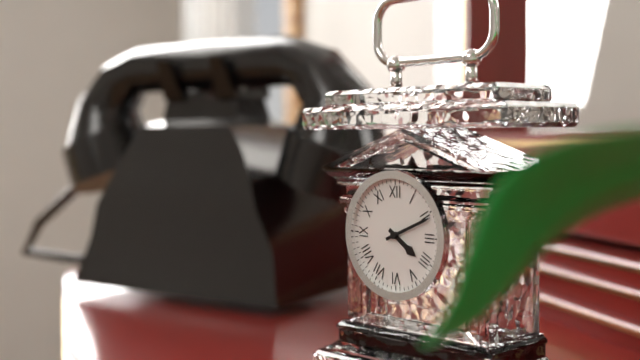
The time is h=4 m=11
